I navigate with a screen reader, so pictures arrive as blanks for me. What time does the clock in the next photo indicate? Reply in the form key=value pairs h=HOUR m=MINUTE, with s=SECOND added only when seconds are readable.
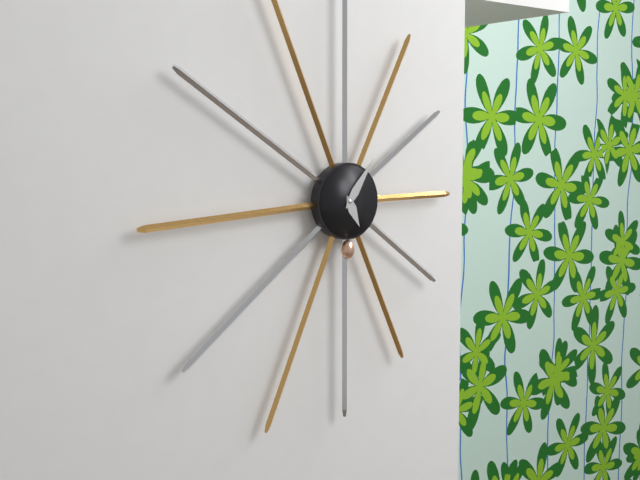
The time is h=5 m=6
